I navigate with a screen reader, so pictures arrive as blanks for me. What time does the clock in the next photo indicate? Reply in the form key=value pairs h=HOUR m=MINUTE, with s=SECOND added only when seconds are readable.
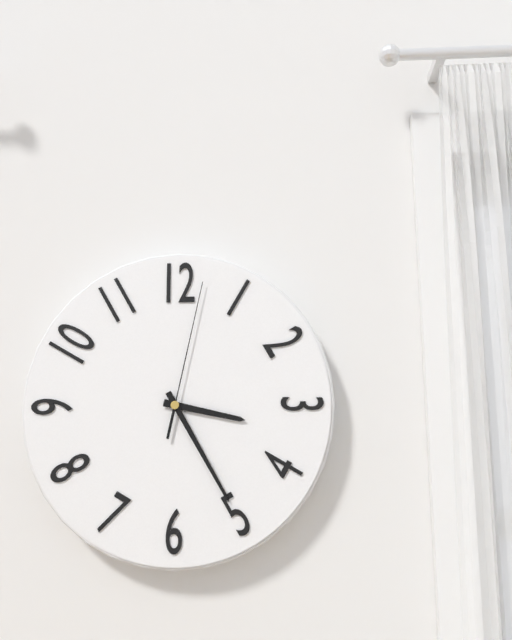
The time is h=3 m=25 s=2
